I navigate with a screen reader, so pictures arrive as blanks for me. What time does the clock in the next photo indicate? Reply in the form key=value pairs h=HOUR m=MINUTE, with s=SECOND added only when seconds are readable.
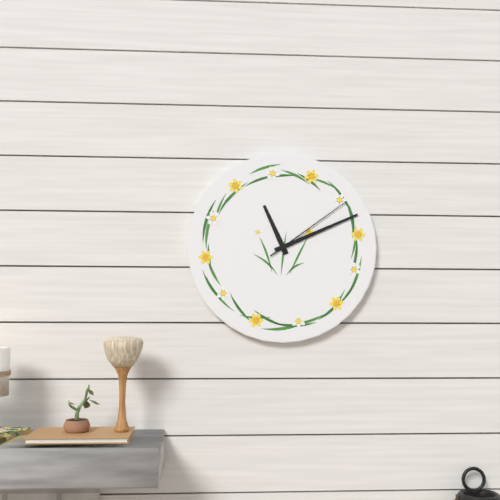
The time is h=11 m=11 s=9
